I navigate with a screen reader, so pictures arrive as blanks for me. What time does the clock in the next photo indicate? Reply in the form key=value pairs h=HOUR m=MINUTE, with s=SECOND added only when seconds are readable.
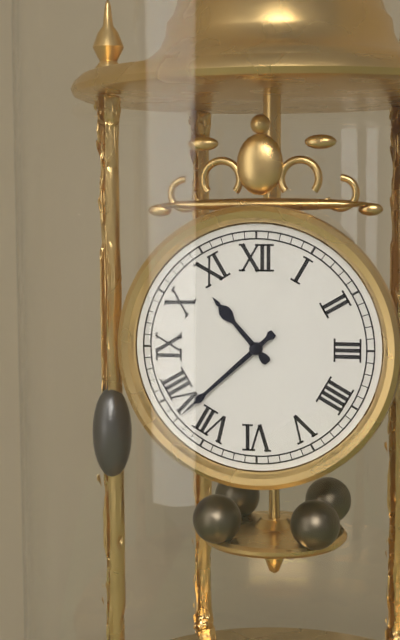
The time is h=10 m=38
